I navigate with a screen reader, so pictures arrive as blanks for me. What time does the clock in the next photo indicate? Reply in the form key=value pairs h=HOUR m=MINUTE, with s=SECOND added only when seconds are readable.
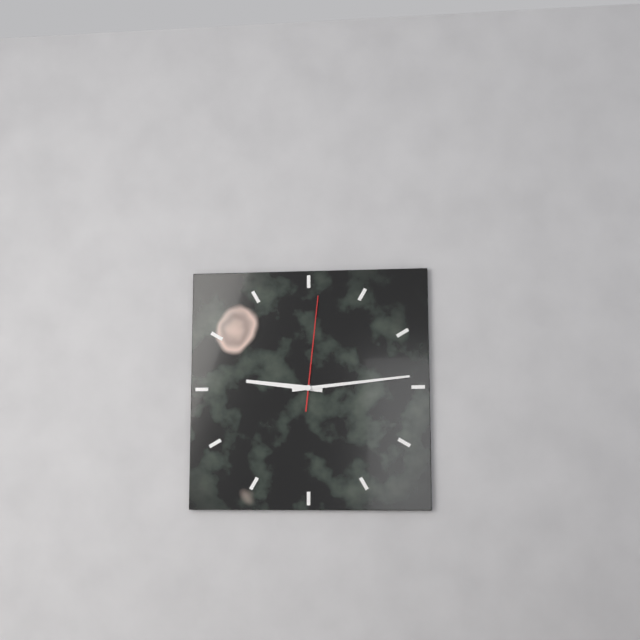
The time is h=9 m=14 s=1
